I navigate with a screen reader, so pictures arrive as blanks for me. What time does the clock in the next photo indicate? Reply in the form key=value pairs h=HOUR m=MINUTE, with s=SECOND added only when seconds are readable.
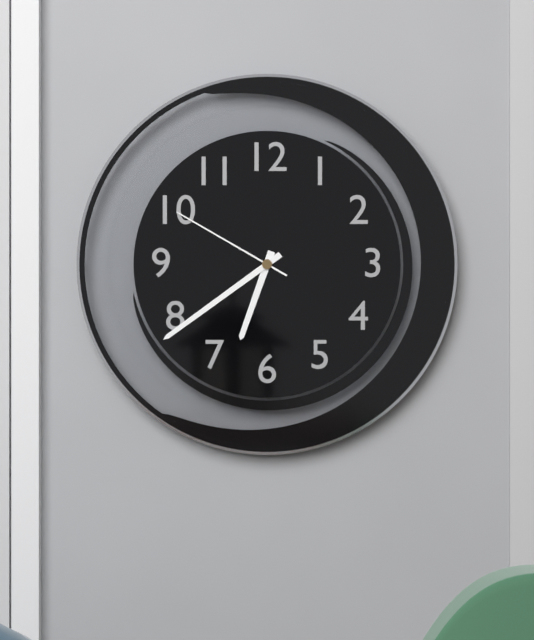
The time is h=6 m=39 s=50
